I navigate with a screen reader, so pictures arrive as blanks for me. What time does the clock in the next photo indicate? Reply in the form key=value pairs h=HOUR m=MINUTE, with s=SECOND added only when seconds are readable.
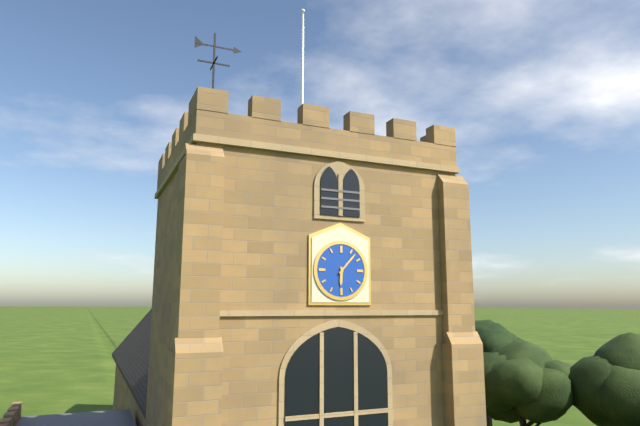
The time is h=6 m=7
